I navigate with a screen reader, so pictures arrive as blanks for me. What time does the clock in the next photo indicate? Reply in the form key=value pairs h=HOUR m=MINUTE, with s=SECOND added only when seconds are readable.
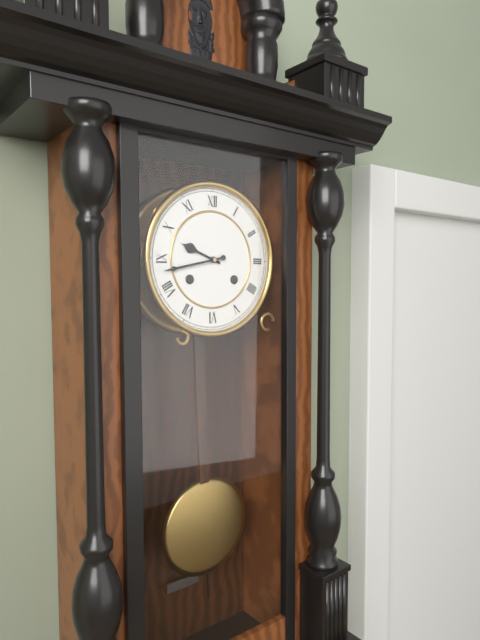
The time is h=9 m=43
